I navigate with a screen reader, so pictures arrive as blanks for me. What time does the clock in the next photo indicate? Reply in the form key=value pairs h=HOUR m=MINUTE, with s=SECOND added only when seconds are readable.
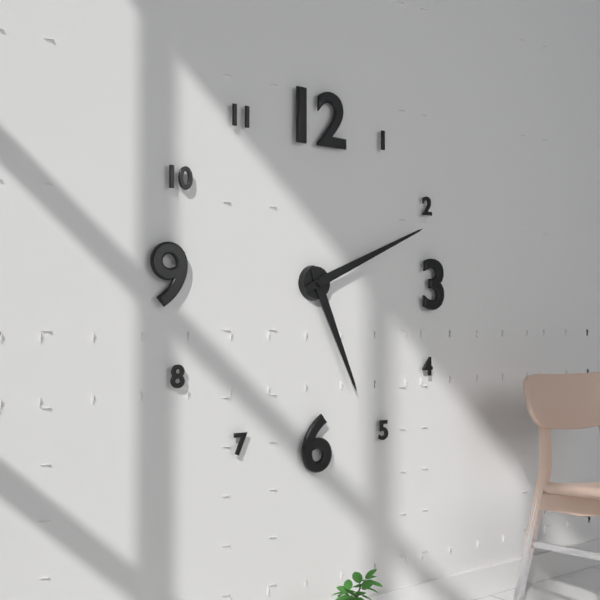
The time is h=5 m=11
